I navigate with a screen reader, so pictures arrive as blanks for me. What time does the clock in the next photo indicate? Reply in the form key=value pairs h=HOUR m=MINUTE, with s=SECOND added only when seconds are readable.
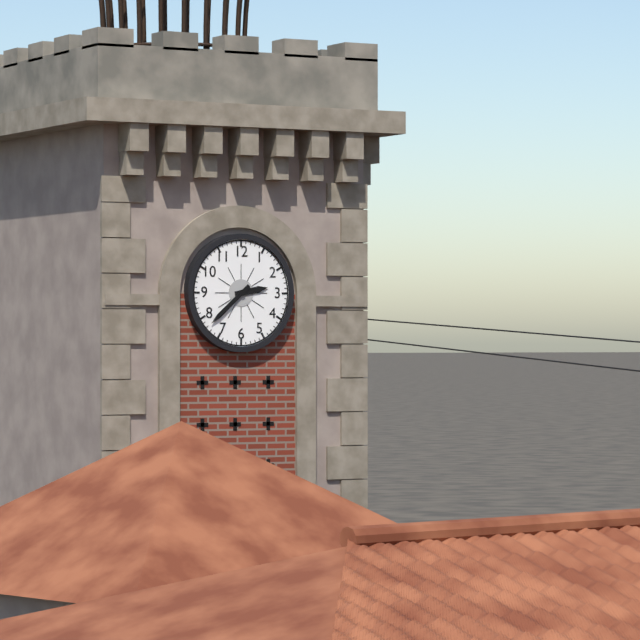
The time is h=2 m=38
